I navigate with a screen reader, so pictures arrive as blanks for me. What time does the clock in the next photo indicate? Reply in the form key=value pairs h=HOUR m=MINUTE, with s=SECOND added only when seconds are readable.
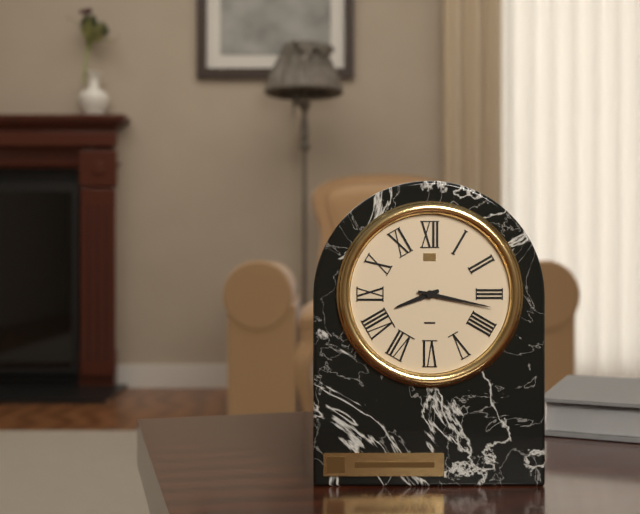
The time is h=8 m=17
